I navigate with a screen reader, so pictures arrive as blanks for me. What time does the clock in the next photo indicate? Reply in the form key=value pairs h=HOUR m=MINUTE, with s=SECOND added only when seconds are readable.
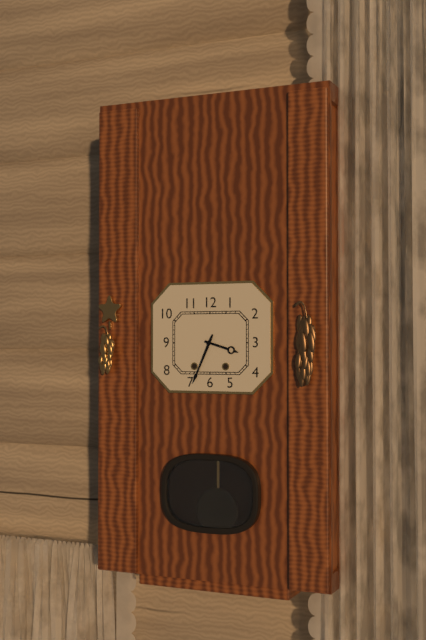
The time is h=3 m=34
